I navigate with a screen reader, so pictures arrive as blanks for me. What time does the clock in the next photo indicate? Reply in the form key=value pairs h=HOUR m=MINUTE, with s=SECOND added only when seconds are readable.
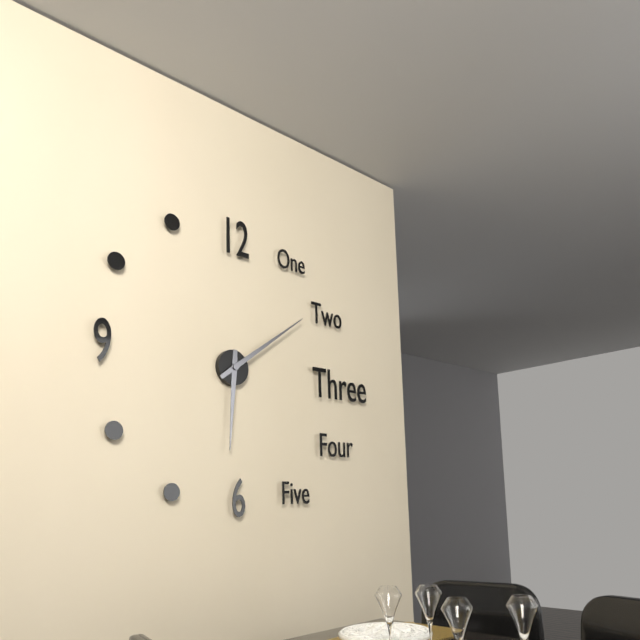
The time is h=6 m=9
